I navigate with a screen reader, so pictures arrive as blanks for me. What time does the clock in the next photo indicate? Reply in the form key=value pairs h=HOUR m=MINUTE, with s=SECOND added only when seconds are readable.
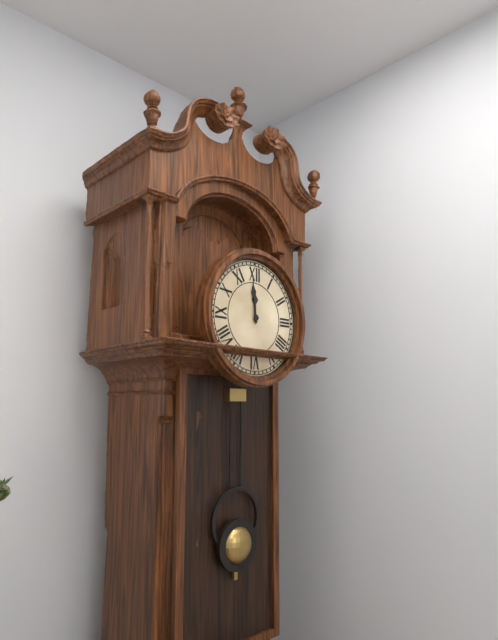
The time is h=11 m=59
